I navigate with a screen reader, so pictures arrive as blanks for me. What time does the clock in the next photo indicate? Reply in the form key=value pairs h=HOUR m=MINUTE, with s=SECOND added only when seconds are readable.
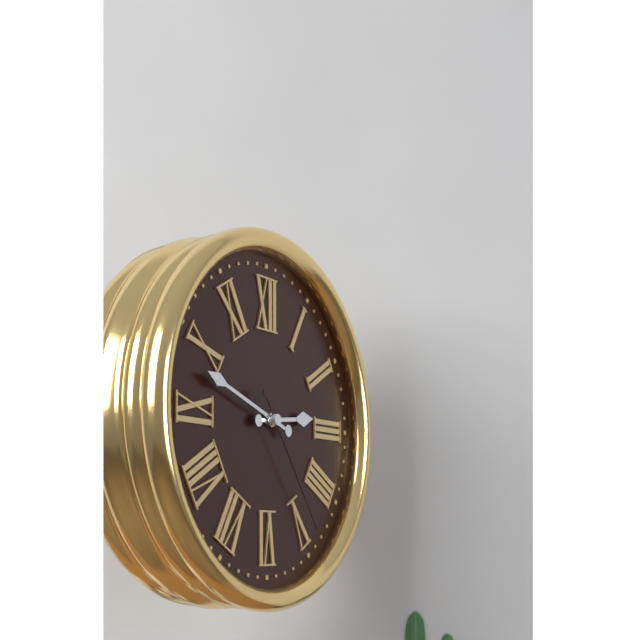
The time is h=2 m=48 s=24
